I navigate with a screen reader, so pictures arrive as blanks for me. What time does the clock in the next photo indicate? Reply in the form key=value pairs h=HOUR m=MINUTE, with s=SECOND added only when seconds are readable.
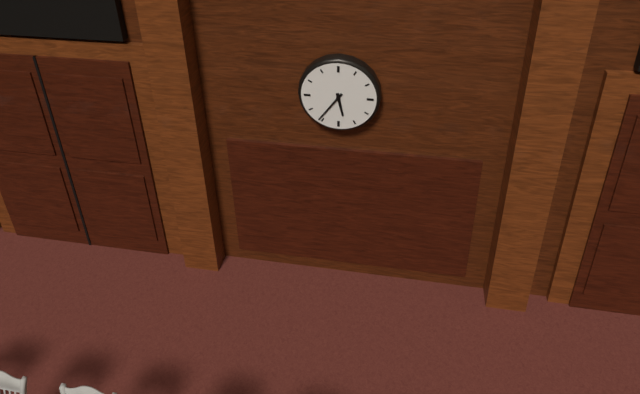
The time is h=5 m=36
